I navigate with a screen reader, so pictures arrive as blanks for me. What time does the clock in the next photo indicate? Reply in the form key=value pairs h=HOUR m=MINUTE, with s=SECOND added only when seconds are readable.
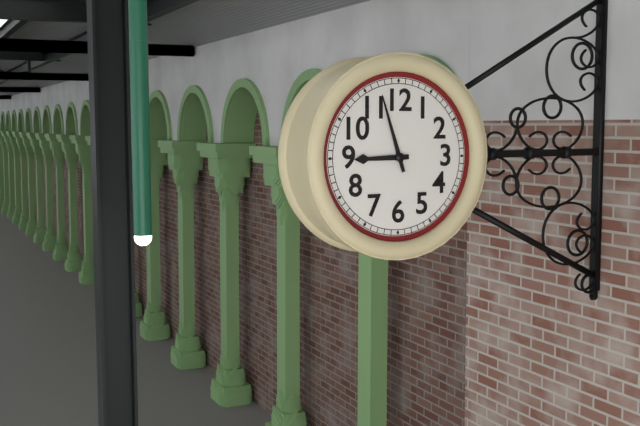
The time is h=8 m=57
